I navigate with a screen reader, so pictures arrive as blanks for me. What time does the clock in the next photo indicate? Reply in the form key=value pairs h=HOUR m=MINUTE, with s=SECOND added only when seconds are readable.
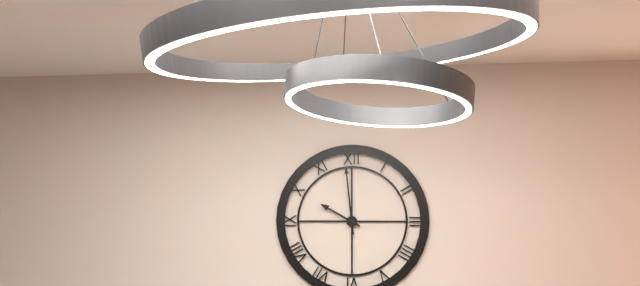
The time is h=9 m=59
